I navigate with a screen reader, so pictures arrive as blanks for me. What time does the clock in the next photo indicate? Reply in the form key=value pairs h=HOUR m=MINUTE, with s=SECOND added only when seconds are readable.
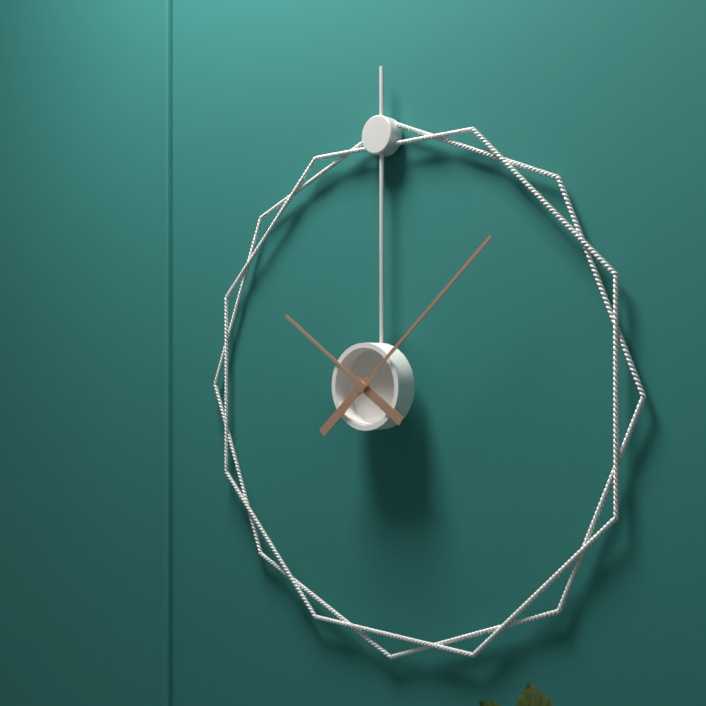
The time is h=10 m=8
